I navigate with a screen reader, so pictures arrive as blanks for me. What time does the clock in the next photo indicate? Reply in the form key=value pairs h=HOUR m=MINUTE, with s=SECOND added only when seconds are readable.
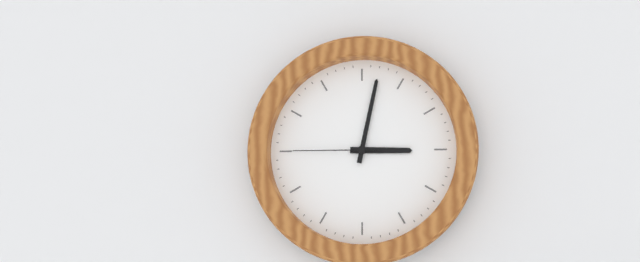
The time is h=3 m=2 s=45
